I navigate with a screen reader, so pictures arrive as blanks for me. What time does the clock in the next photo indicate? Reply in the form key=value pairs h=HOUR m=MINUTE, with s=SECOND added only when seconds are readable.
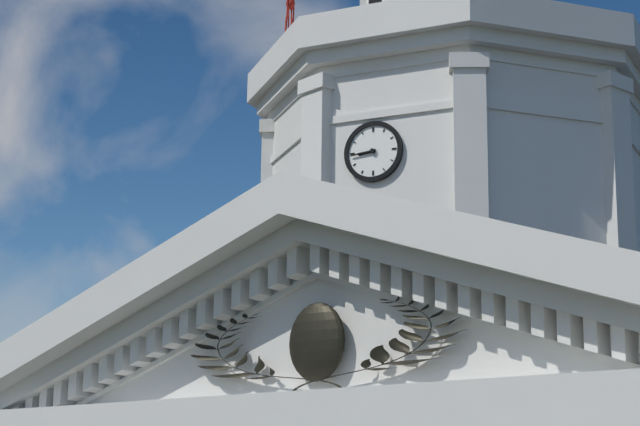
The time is h=8 m=44
